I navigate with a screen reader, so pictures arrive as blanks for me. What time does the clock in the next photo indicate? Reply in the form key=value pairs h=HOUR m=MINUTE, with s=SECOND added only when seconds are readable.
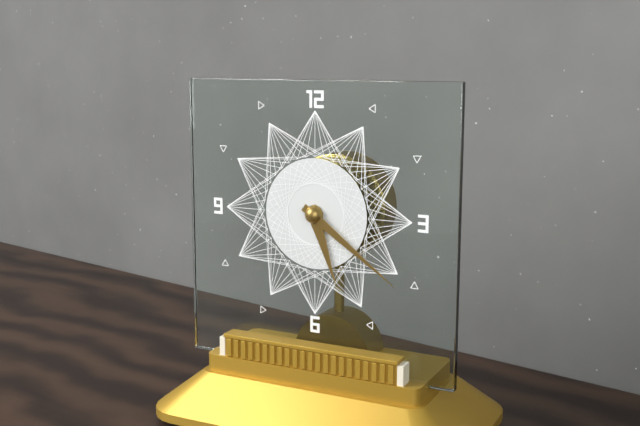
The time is h=5 m=21
